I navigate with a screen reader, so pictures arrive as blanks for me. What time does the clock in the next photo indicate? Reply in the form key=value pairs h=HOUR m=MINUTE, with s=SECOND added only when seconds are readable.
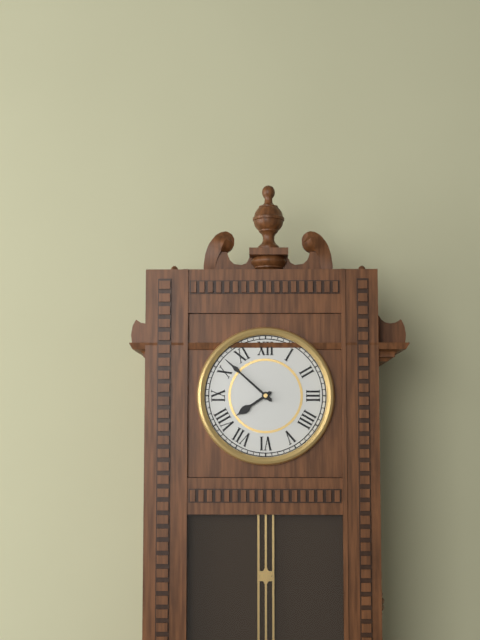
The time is h=7 m=52
